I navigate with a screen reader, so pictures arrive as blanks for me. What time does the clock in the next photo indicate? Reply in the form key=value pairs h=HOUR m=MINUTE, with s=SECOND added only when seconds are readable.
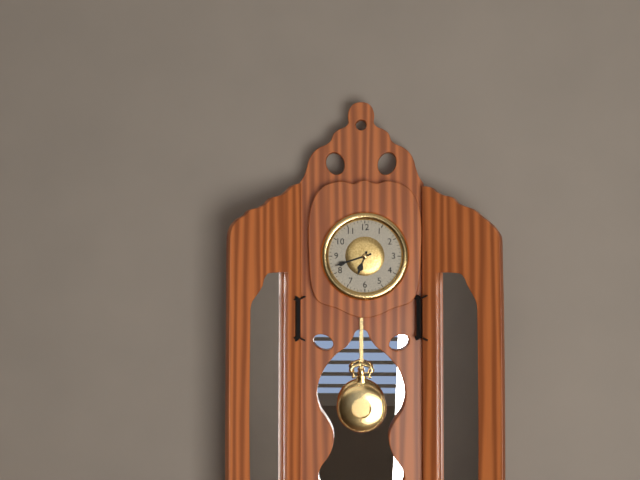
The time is h=6 m=42
